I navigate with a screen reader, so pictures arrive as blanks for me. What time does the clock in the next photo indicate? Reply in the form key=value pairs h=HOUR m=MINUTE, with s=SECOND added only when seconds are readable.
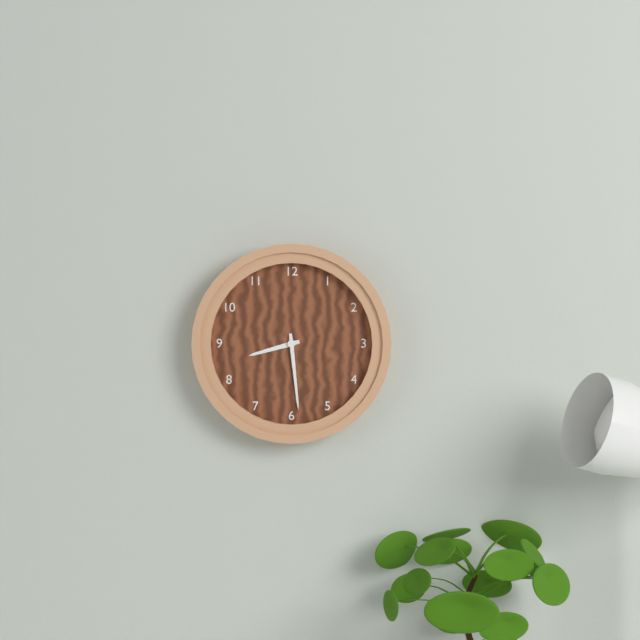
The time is h=8 m=29
